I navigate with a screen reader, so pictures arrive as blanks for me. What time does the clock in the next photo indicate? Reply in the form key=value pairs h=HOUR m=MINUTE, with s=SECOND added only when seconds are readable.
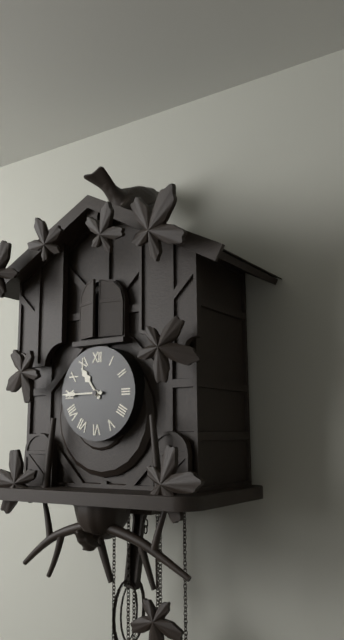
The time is h=10 m=45
